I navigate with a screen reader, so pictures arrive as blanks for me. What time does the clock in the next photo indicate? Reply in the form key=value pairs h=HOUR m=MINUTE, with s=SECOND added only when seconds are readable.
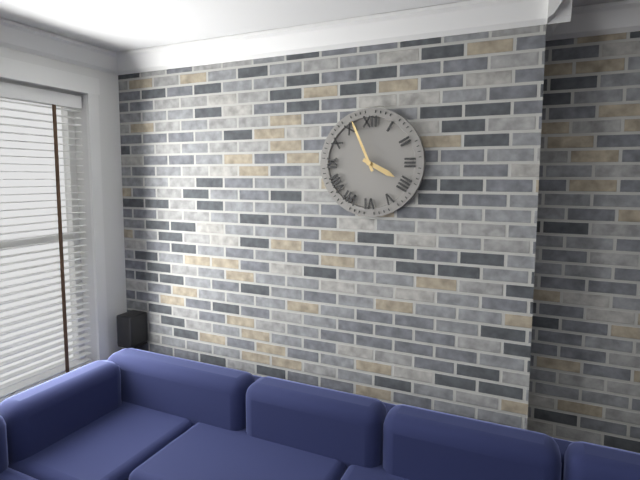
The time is h=3 m=56
